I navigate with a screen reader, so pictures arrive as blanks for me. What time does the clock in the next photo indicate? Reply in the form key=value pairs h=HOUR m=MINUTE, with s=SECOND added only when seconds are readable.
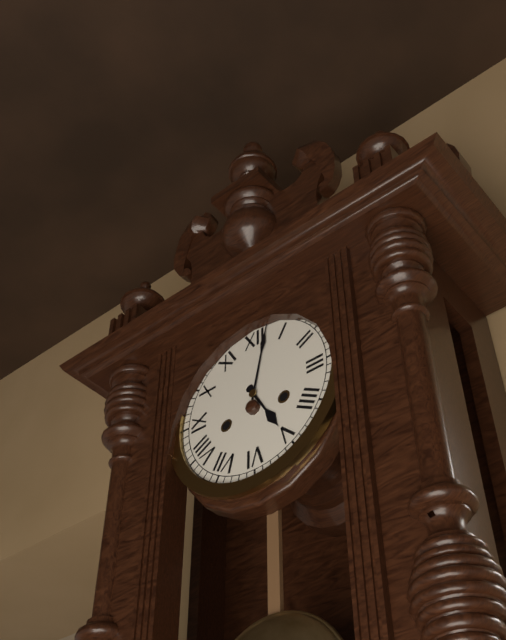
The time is h=5 m=2
